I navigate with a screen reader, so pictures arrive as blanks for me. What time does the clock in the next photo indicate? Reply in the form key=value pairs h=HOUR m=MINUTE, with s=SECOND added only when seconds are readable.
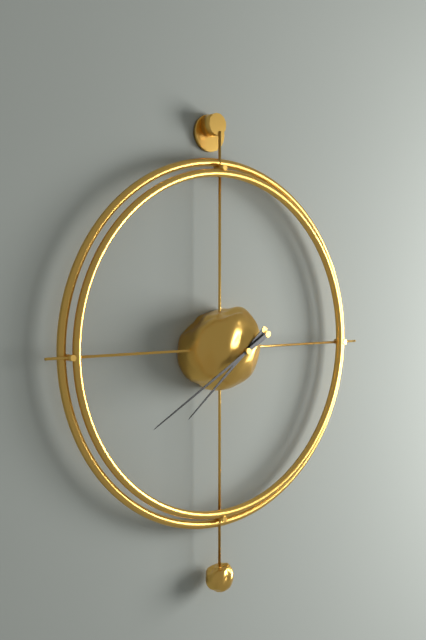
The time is h=7 m=40
